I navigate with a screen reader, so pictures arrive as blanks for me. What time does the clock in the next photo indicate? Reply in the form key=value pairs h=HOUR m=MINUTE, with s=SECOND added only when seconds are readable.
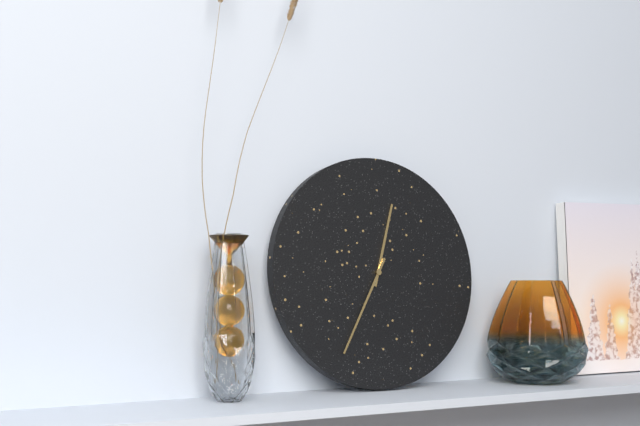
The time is h=12 m=35
